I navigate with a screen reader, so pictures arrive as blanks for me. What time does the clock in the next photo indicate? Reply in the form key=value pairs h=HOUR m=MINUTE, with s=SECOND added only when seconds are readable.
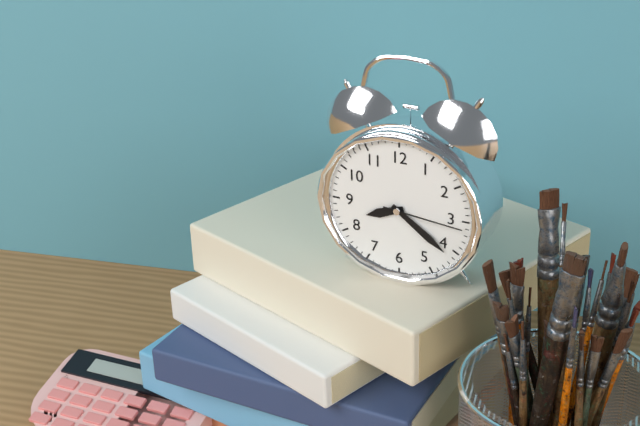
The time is h=8 m=21 s=16
